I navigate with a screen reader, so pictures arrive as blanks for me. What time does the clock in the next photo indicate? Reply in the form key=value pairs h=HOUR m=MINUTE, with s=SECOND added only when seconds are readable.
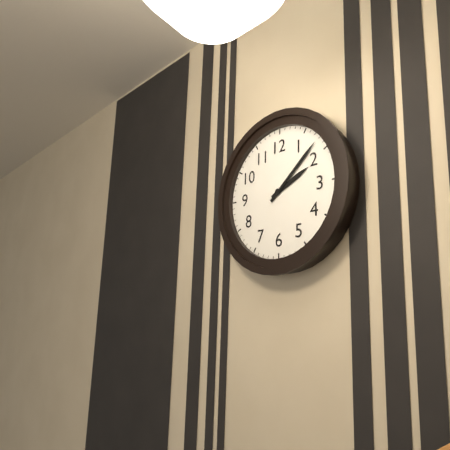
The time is h=2 m=8
